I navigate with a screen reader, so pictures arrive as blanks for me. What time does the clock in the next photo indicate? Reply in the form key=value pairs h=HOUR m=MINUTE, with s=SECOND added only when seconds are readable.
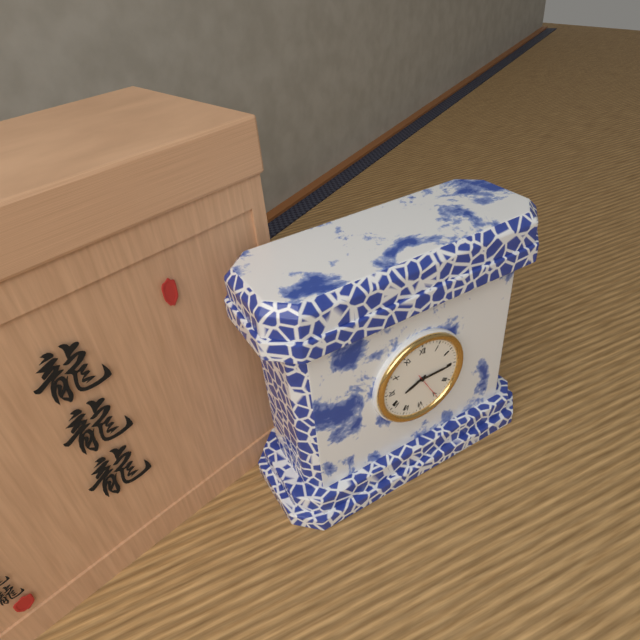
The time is h=8 m=15 s=25
